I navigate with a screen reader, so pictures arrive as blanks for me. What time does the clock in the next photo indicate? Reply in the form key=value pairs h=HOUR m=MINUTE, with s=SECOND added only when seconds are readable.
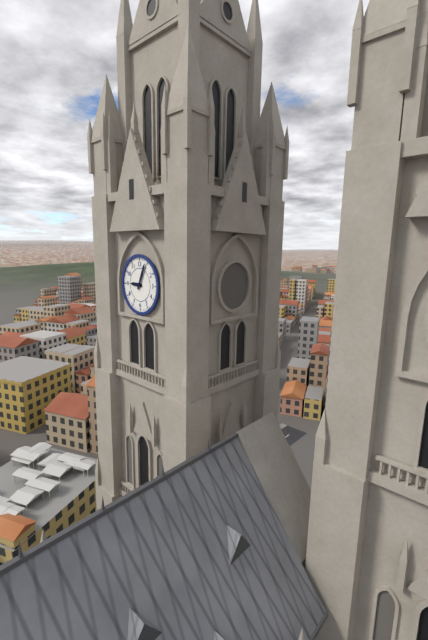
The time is h=9 m=4
